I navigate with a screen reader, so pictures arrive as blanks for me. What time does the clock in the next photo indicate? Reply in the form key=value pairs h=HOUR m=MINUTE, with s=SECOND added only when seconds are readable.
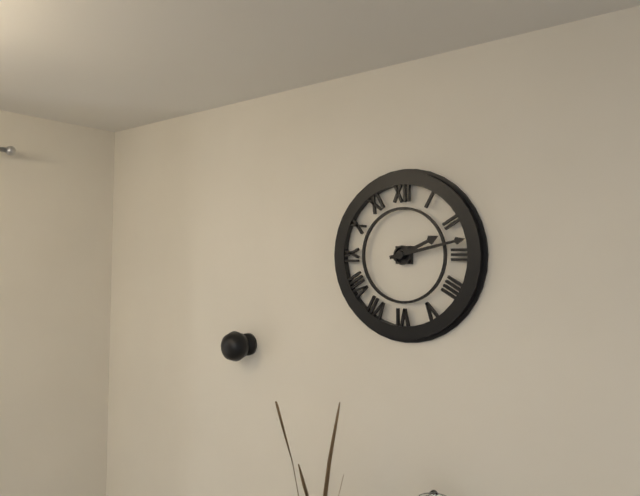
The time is h=2 m=13
